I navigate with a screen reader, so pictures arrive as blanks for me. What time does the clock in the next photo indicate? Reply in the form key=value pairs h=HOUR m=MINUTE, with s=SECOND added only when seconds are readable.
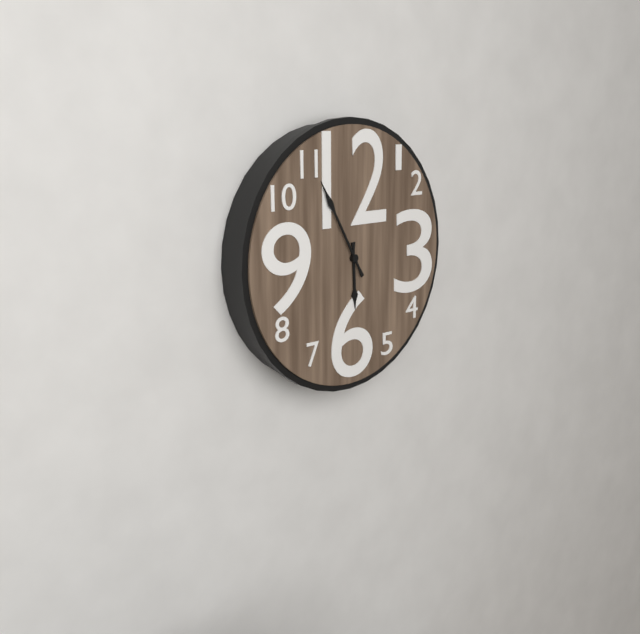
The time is h=5 m=55
